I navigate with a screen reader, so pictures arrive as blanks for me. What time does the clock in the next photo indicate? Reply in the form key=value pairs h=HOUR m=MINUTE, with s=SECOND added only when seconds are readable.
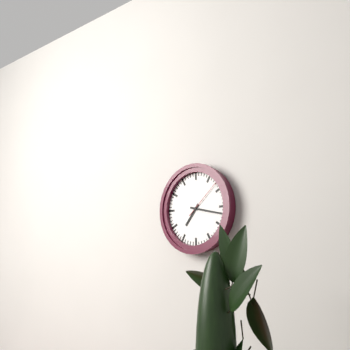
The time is h=7 m=17
